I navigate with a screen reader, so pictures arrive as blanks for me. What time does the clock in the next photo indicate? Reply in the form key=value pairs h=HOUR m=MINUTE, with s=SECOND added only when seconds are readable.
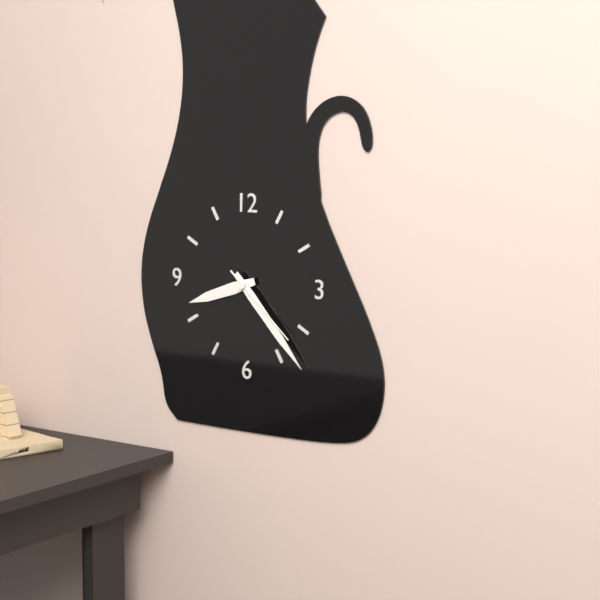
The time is h=8 m=23 s=22
